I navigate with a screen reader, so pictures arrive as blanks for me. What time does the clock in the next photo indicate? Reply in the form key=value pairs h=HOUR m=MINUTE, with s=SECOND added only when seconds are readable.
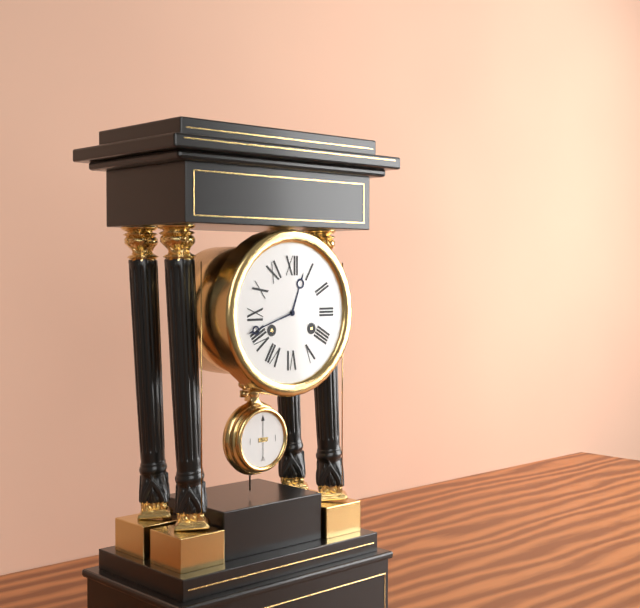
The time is h=12 m=42
